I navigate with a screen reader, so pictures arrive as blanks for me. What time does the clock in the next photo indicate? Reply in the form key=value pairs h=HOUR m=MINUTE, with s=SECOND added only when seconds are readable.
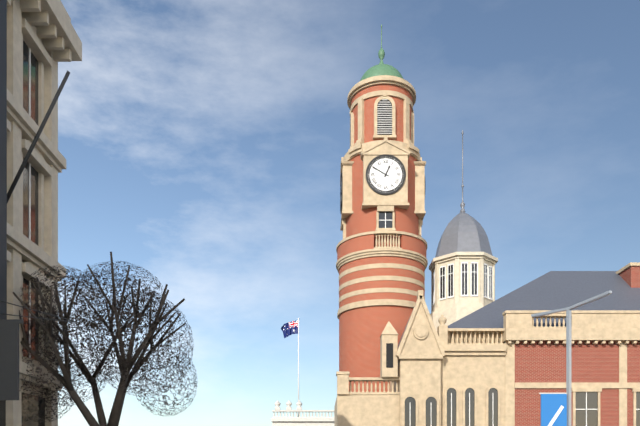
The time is h=12 m=50
